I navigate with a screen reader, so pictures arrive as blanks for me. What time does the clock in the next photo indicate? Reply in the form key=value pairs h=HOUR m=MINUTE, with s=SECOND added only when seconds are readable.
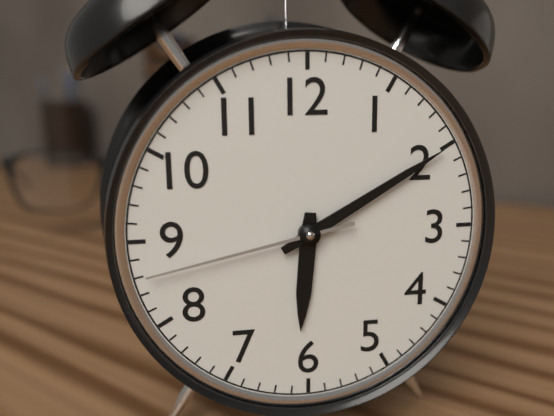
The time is h=6 m=10 s=43
